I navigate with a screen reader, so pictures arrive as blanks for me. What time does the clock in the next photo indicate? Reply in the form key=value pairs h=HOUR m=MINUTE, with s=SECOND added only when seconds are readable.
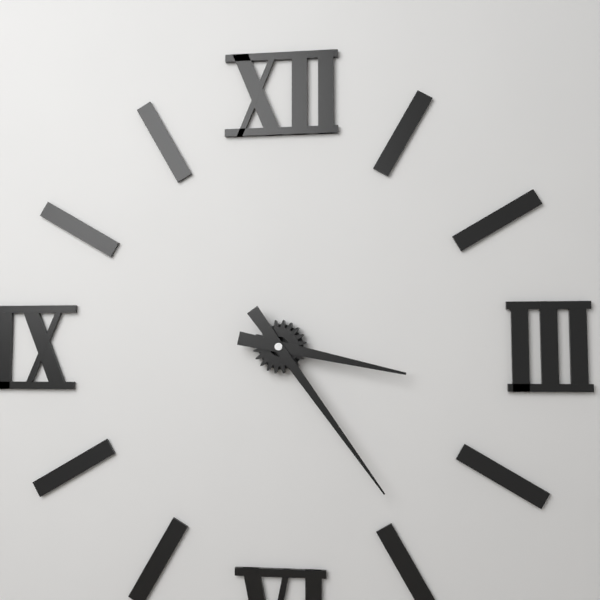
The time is h=3 m=24
